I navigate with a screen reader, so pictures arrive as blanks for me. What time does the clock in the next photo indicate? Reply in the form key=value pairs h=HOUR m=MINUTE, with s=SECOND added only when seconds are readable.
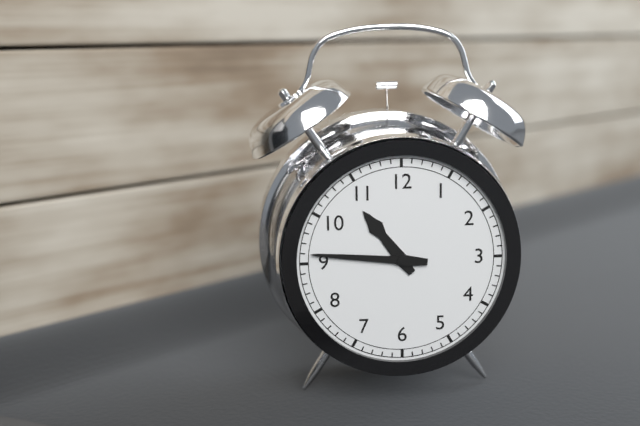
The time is h=10 m=46
